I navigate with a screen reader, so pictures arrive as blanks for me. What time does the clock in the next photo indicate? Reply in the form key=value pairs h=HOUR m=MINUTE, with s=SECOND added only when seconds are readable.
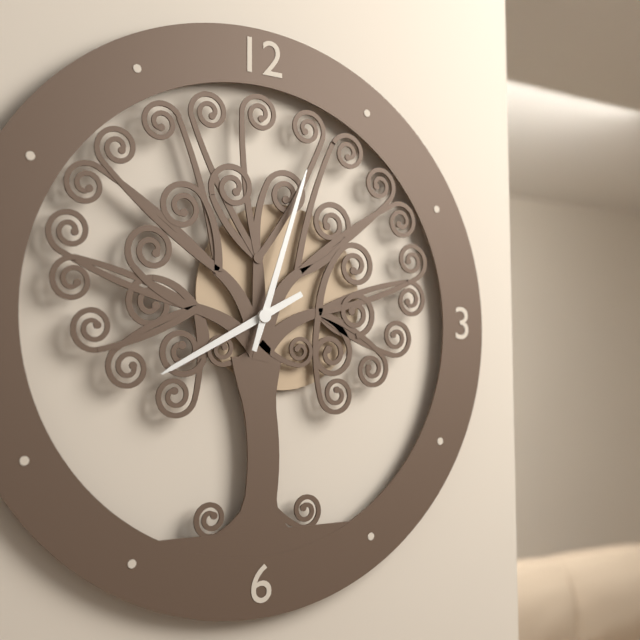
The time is h=8 m=3
